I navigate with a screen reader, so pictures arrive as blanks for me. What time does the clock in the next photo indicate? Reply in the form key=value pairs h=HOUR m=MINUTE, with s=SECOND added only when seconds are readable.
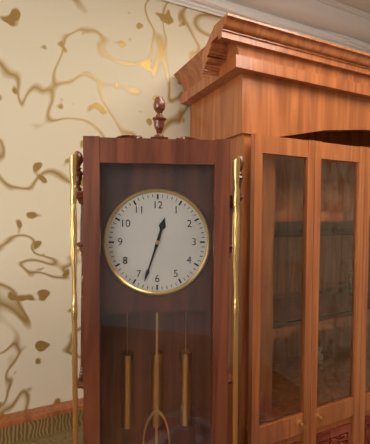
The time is h=12 m=33
